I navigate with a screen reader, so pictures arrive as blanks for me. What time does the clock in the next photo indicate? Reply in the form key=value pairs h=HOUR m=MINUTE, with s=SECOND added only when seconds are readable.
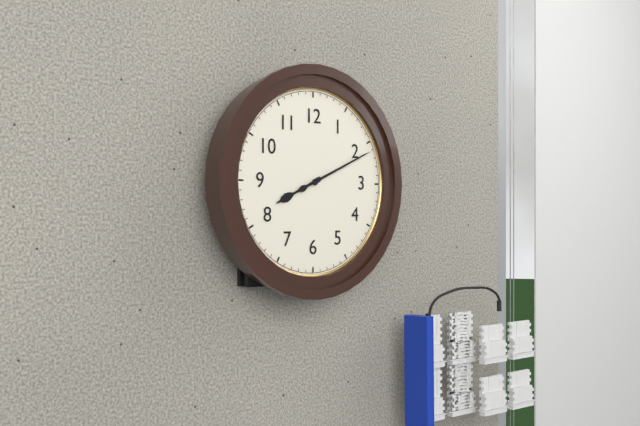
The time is h=8 m=11
